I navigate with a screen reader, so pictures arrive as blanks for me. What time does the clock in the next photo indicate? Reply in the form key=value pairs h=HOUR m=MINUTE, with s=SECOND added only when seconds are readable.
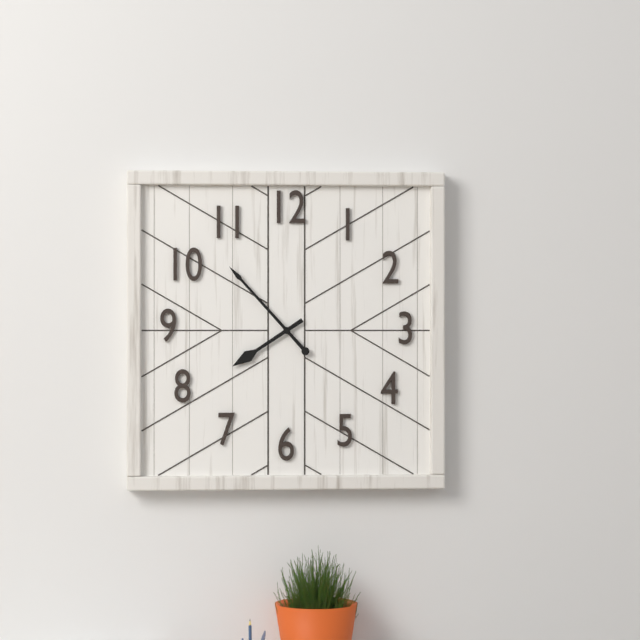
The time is h=7 m=53
